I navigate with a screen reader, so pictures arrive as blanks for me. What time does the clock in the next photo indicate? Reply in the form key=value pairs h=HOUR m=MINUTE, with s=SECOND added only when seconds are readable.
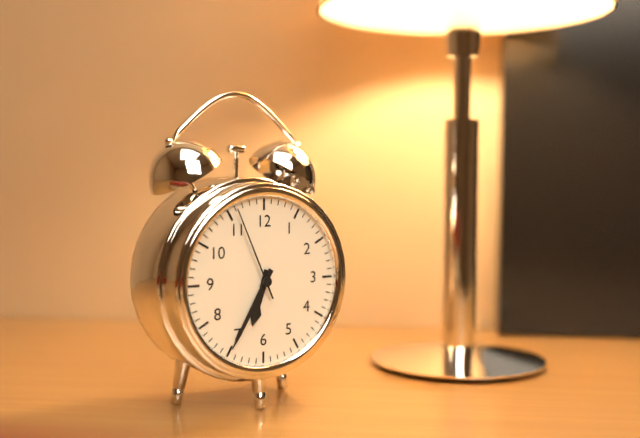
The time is h=6 m=35 s=56
